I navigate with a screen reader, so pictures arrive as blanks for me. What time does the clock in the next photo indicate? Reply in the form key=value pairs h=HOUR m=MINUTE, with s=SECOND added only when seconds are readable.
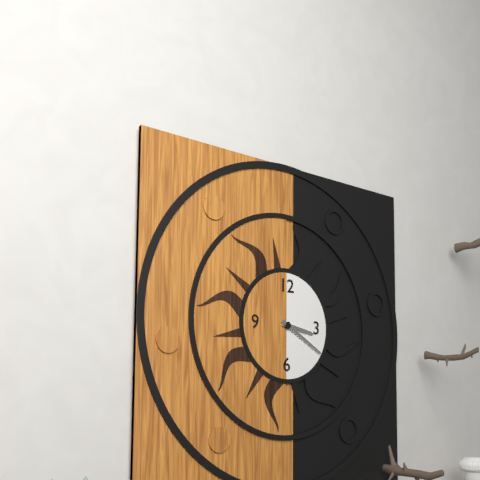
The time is h=3 m=20
